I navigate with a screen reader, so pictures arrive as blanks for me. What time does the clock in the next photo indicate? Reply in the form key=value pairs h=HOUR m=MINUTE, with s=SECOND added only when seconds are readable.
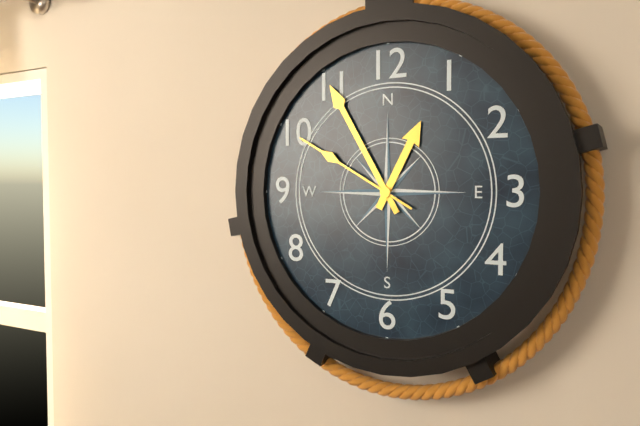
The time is h=12 m=55 s=50
